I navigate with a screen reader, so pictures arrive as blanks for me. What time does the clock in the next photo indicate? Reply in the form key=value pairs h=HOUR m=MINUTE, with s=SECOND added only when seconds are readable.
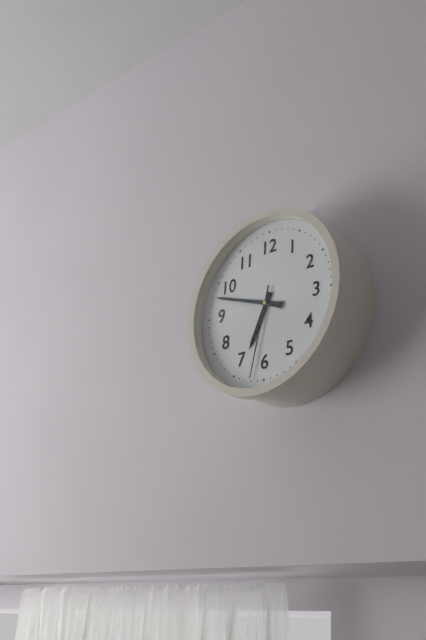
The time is h=6 m=48 s=32
